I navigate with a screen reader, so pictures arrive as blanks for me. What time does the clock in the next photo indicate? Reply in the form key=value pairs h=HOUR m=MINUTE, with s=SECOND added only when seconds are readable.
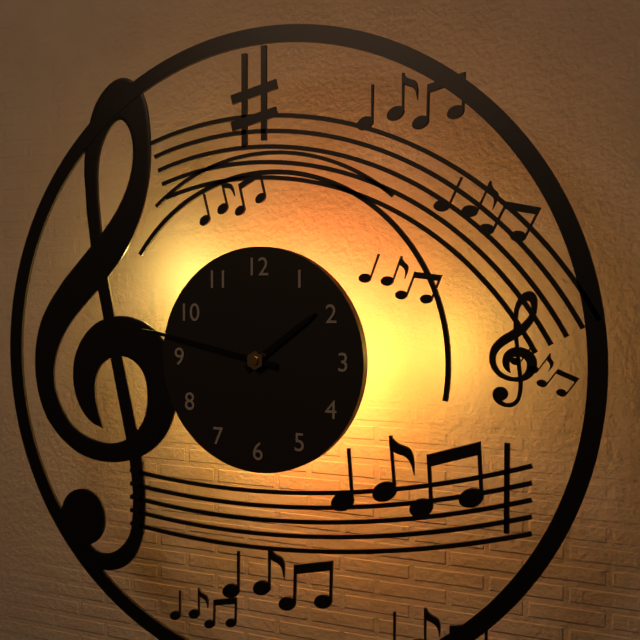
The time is h=1 m=47
